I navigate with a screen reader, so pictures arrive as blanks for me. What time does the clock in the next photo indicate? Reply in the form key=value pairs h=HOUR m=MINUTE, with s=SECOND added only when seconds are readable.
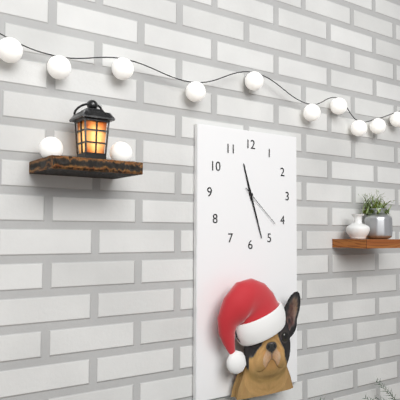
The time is h=11 m=27
